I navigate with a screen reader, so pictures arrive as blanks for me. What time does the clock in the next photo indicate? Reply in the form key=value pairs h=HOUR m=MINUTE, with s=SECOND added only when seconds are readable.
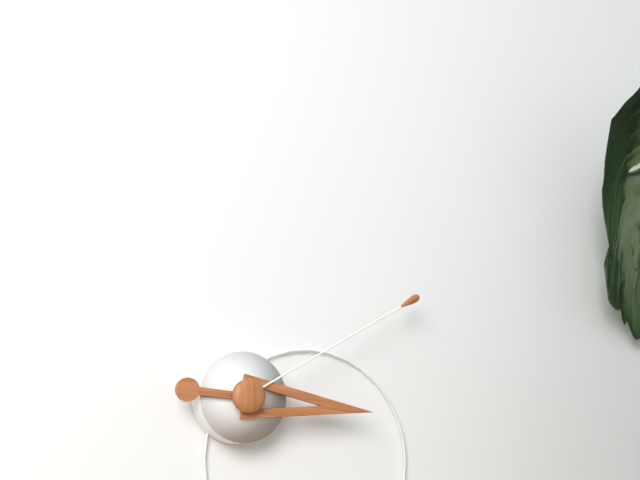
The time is h=3 m=10
